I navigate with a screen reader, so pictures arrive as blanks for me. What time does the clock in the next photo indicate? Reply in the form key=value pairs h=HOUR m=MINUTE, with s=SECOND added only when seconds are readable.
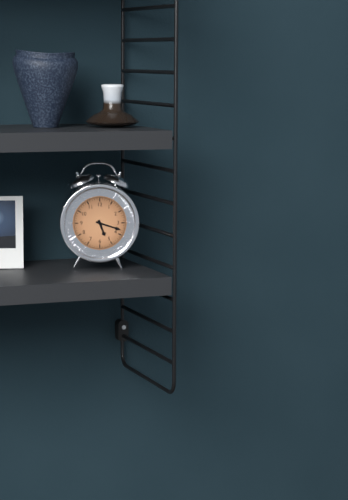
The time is h=5 m=18
